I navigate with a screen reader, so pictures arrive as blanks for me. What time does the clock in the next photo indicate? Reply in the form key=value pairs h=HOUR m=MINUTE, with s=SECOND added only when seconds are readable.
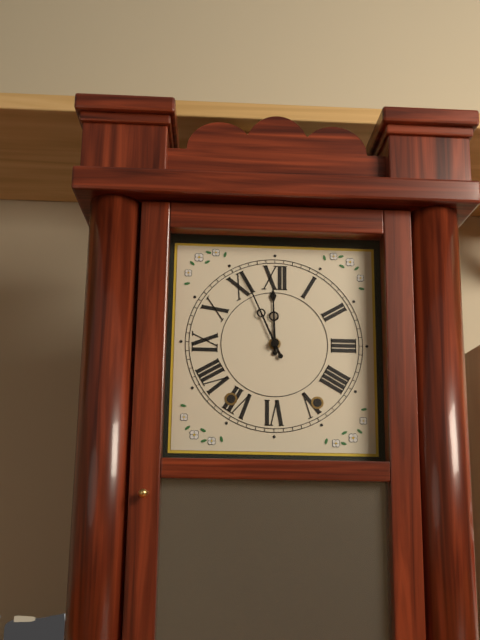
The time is h=11 m=56
